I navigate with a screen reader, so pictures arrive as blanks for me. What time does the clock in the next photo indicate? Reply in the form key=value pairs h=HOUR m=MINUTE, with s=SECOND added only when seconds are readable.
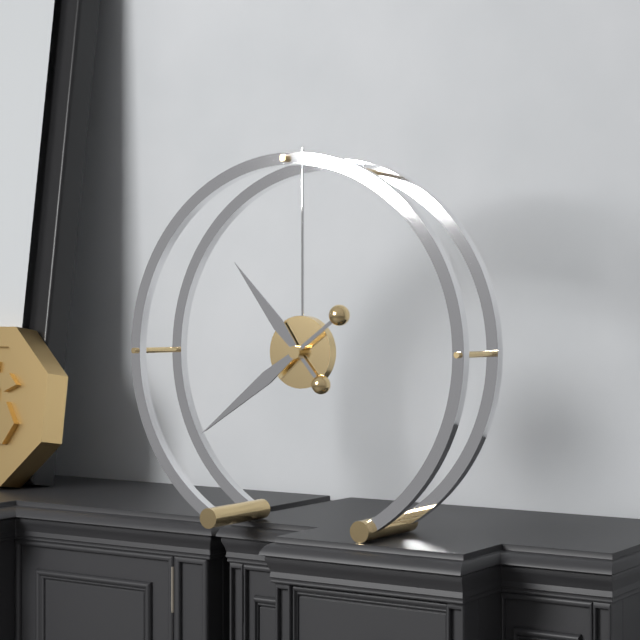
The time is h=10 m=39
